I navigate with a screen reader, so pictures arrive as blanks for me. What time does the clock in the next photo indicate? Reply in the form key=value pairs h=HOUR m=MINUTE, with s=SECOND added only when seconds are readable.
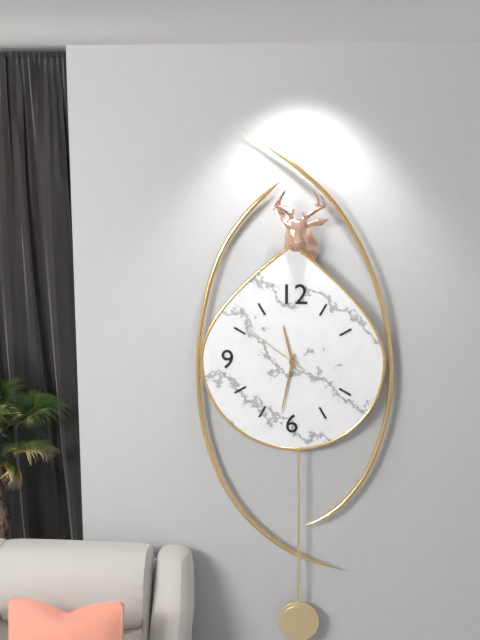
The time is h=11 m=32 s=51
